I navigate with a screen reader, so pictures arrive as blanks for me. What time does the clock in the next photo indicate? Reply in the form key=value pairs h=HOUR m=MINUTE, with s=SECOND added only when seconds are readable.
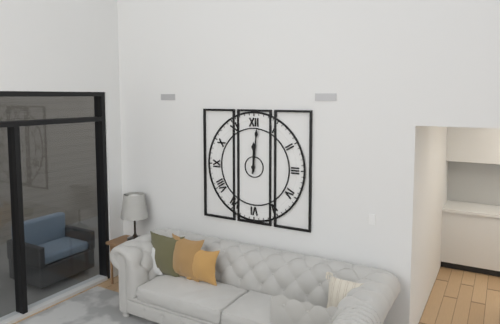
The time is h=12 m=1
